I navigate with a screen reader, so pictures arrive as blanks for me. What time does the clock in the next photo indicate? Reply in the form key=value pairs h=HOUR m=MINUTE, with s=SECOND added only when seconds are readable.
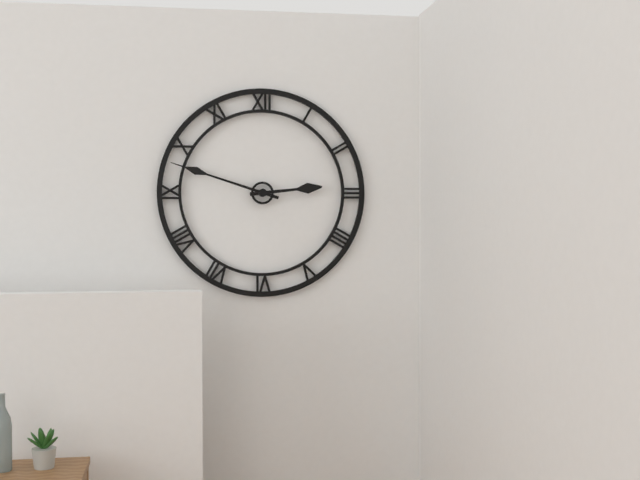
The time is h=2 m=48
